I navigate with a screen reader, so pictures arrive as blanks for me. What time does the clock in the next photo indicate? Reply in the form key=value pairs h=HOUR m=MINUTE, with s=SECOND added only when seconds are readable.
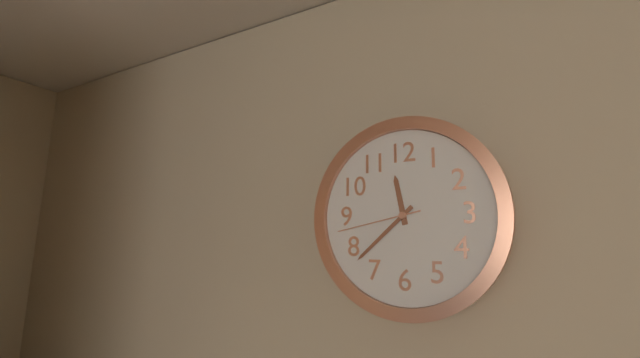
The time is h=11 m=38 s=43
